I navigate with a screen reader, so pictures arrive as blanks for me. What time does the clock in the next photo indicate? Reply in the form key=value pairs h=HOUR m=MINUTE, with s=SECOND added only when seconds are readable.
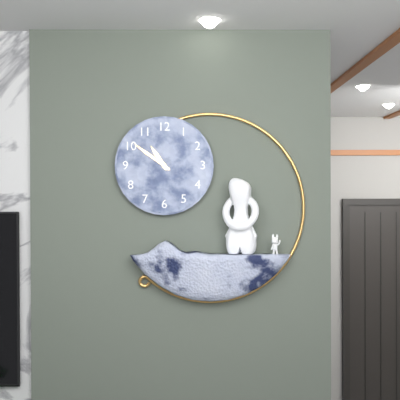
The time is h=10 m=51
